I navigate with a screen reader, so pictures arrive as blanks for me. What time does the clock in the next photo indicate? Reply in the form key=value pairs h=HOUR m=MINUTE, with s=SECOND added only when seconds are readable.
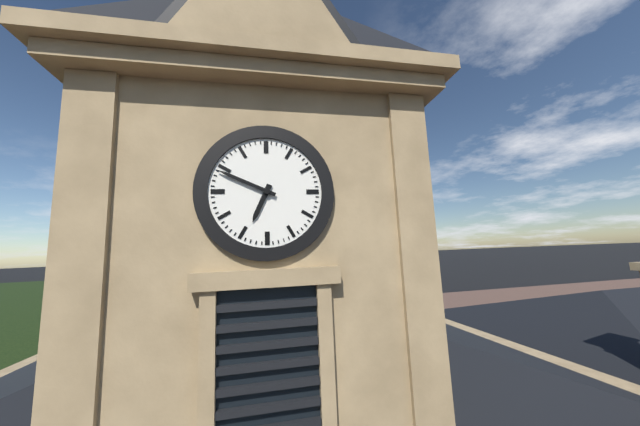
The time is h=6 m=49
